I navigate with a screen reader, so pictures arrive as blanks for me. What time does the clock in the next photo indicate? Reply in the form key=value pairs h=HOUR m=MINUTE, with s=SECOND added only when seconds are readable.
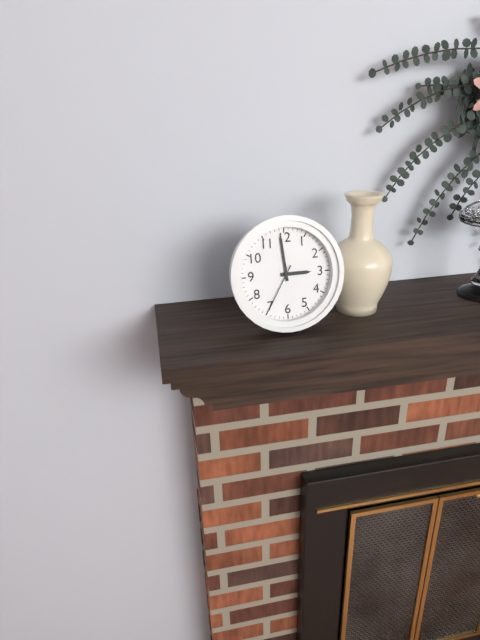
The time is h=2 m=59 s=35
